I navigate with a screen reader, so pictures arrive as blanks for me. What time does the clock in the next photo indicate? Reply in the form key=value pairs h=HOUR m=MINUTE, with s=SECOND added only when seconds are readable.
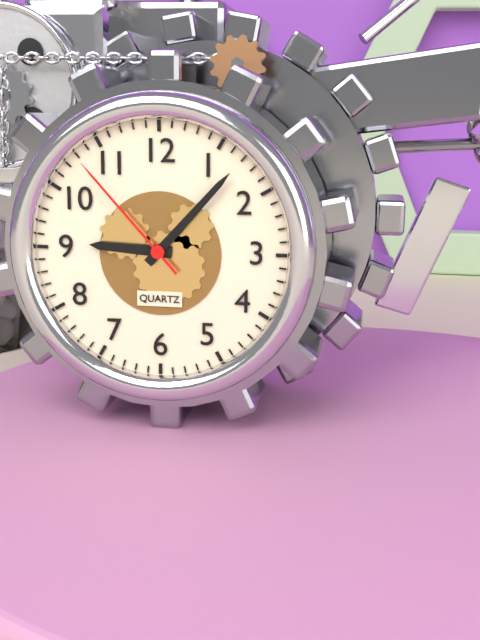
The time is h=9 m=7 s=53
